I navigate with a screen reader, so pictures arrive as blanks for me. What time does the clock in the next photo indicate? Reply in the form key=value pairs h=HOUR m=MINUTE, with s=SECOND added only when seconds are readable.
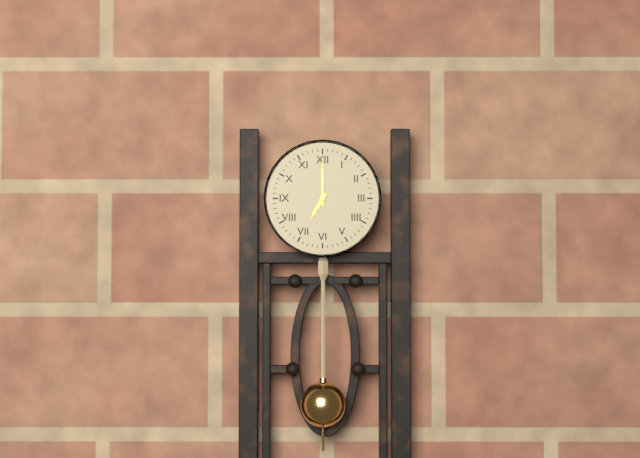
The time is h=7 m=0
